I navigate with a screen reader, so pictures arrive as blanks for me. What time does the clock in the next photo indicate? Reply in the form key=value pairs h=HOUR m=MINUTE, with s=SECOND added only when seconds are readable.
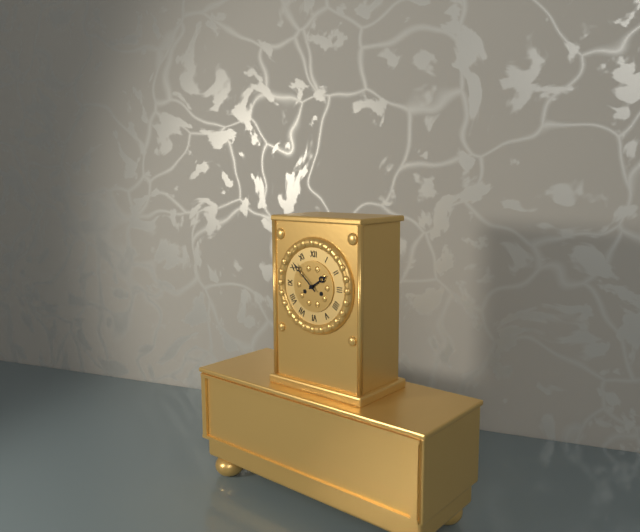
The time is h=1 m=52
